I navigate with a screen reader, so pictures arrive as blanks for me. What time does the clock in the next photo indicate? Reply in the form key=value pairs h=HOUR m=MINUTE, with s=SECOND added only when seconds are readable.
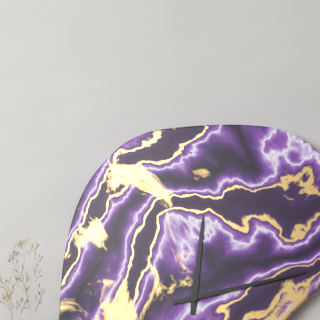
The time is h=12 m=13
